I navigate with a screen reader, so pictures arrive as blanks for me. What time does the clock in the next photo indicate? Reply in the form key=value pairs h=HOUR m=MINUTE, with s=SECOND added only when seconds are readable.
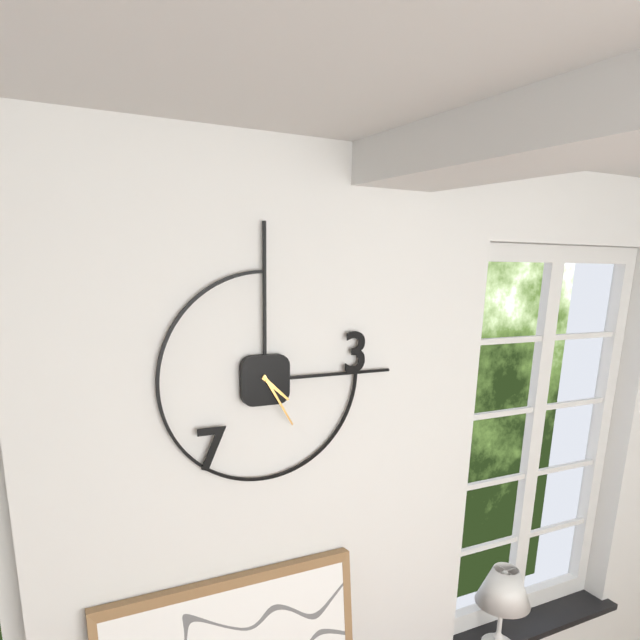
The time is h=4 m=25
